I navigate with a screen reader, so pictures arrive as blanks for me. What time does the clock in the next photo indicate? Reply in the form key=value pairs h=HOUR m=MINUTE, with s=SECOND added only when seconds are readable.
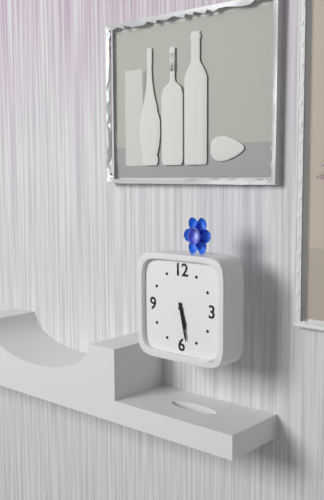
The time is h=5 m=28
